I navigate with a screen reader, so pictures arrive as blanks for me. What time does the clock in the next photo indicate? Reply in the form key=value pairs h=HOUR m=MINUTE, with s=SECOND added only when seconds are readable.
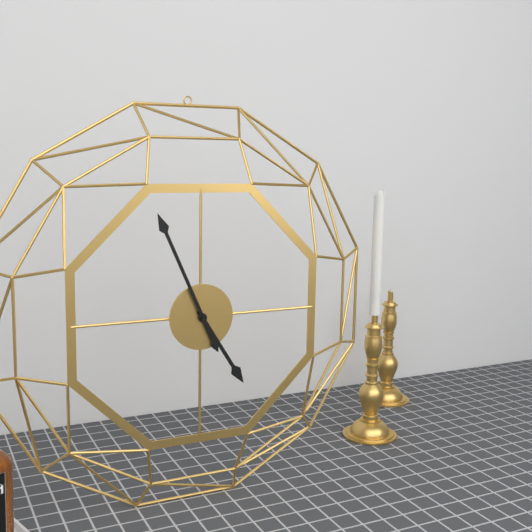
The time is h=4 m=56
